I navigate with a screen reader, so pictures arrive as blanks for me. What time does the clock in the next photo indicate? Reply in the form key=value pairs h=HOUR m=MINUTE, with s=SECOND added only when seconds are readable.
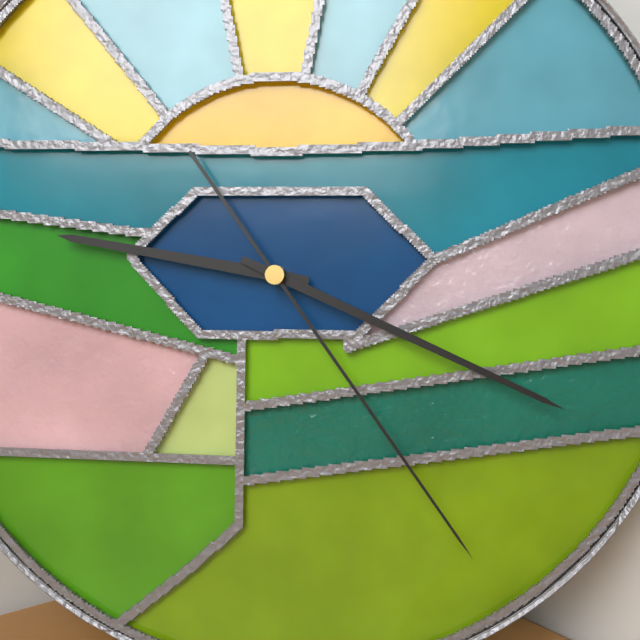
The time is h=9 m=19 s=24
